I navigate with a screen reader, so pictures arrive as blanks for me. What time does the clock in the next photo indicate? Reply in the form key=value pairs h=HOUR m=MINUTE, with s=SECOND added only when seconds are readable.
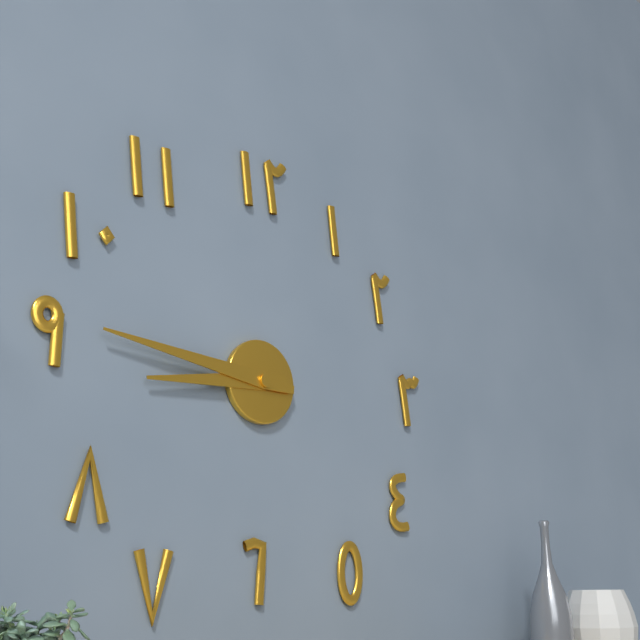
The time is h=8 m=46
